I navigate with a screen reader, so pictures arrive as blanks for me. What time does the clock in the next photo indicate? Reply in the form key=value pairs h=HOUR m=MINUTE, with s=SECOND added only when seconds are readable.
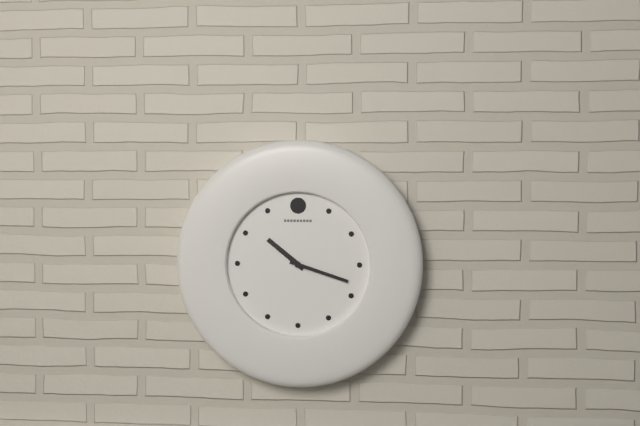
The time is h=10 m=18
